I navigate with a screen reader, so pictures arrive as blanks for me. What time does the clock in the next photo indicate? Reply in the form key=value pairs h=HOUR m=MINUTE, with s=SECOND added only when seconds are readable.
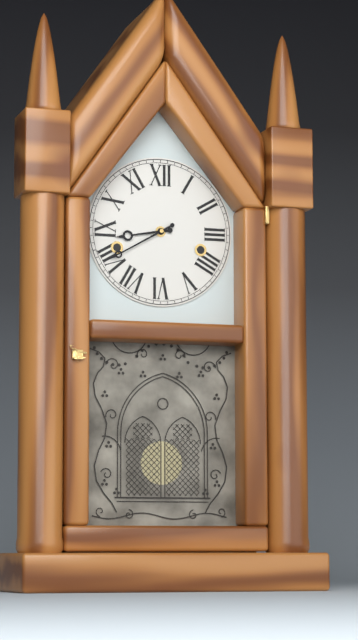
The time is h=8 m=40
